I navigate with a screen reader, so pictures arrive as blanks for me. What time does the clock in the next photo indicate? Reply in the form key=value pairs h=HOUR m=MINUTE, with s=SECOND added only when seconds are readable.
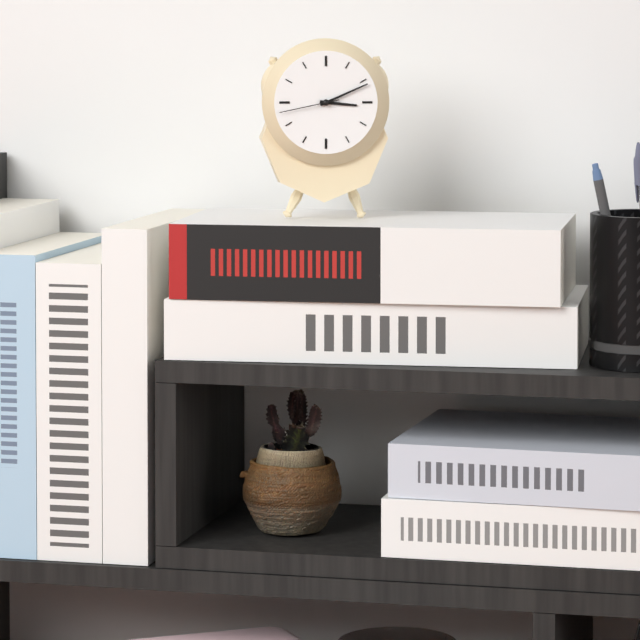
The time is h=3 m=11 s=43
